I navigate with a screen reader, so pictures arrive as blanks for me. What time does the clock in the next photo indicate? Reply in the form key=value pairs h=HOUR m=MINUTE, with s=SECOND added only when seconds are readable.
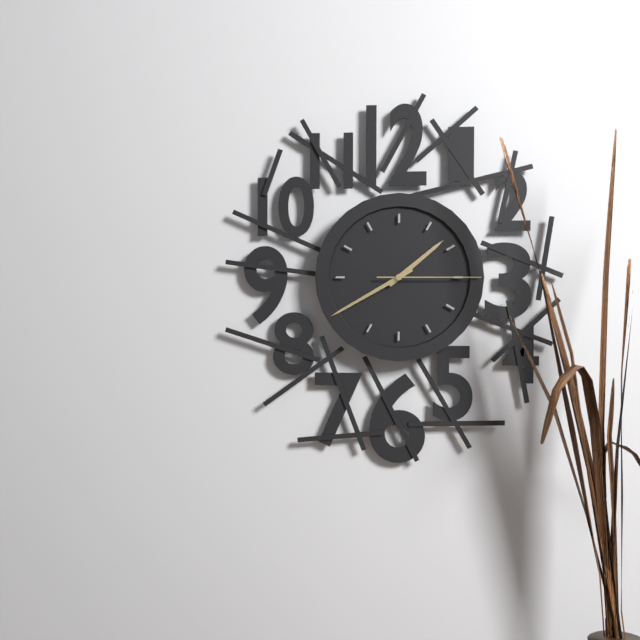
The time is h=1 m=40 s=15
